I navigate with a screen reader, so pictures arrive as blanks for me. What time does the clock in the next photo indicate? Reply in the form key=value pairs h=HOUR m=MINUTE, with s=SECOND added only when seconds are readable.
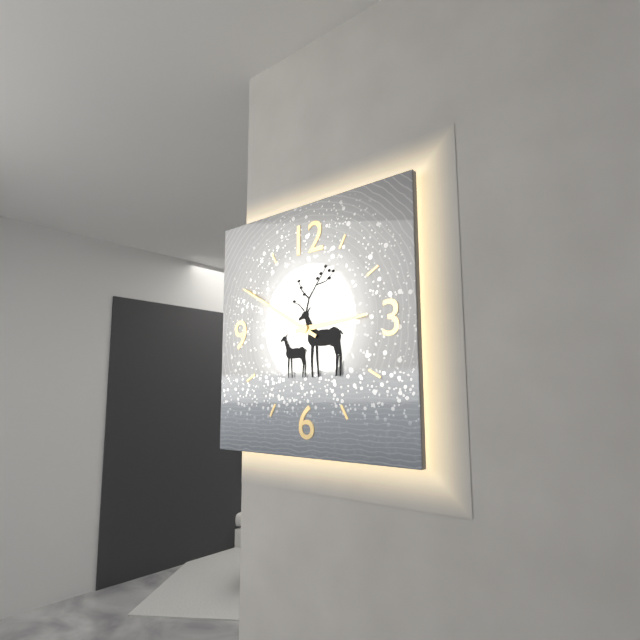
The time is h=2 m=50
